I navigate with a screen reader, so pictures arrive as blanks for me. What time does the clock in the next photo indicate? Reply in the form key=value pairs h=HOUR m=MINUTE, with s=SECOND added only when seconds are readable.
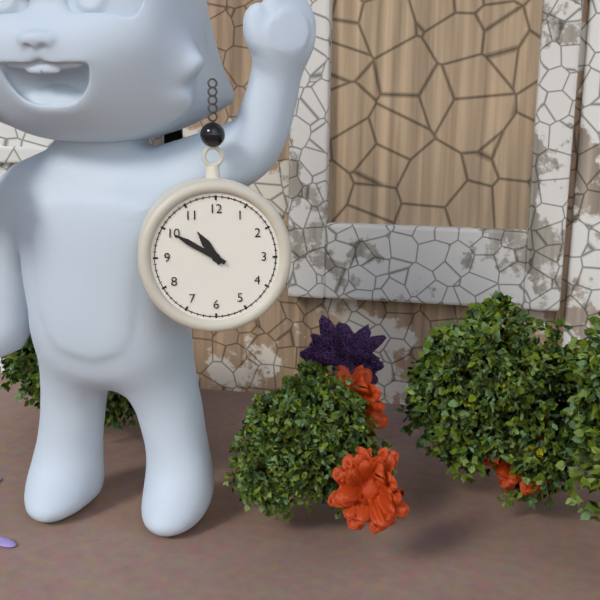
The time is h=10 m=50
